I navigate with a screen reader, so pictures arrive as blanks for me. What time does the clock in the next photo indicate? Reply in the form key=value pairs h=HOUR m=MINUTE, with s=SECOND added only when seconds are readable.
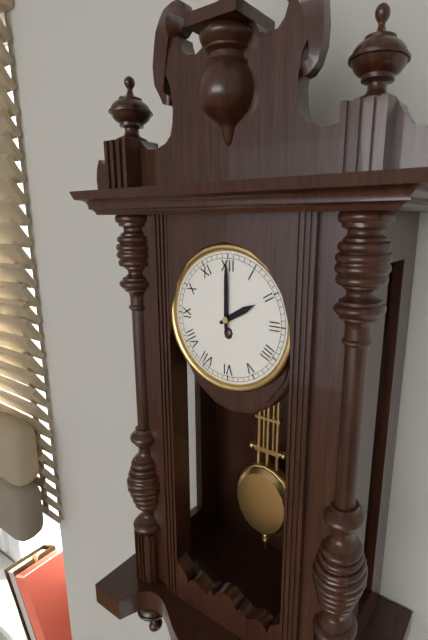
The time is h=2 m=0
